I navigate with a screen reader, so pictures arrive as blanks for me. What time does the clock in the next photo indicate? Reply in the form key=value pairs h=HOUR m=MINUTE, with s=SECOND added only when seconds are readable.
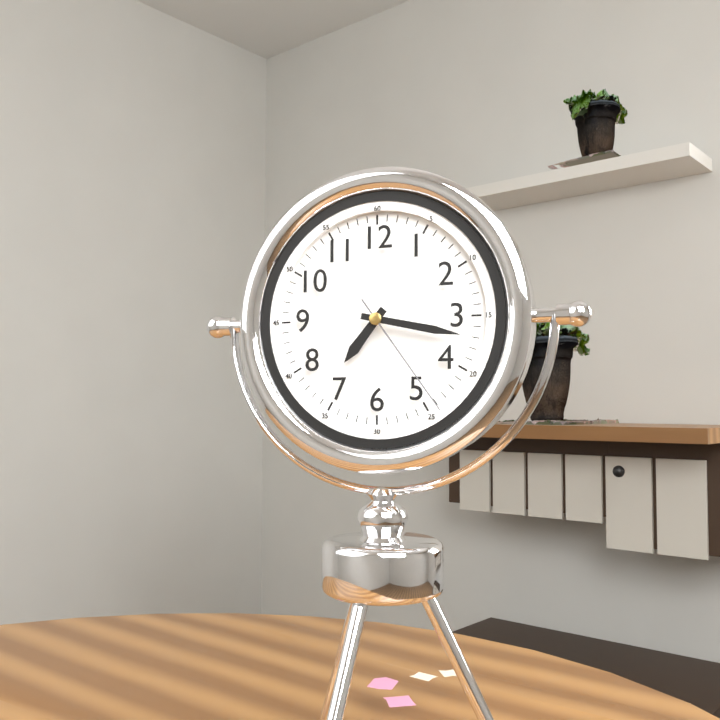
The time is h=7 m=17 s=24
